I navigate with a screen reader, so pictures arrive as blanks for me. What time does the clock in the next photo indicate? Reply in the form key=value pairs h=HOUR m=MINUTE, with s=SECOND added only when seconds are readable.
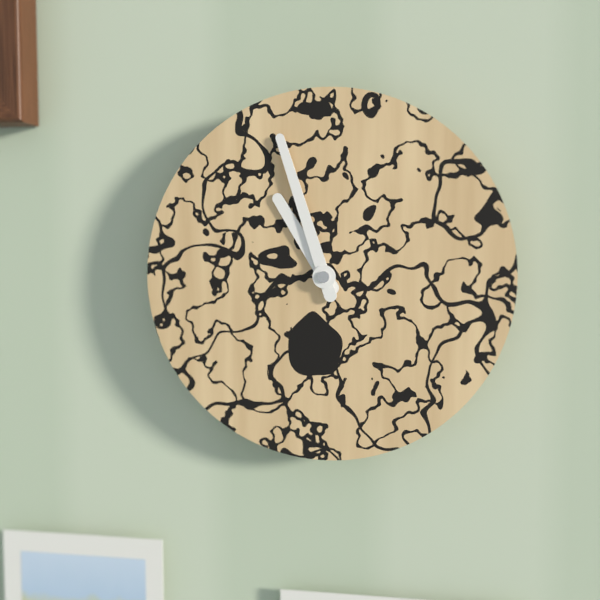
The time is h=10 m=57
